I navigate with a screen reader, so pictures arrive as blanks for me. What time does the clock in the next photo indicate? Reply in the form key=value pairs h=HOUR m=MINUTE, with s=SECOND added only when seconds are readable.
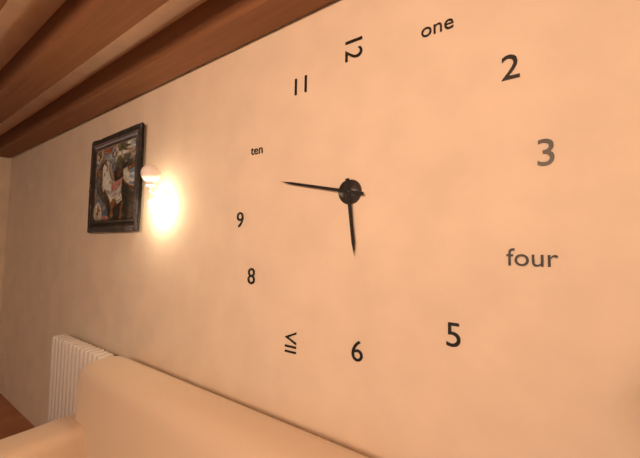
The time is h=5 m=47
